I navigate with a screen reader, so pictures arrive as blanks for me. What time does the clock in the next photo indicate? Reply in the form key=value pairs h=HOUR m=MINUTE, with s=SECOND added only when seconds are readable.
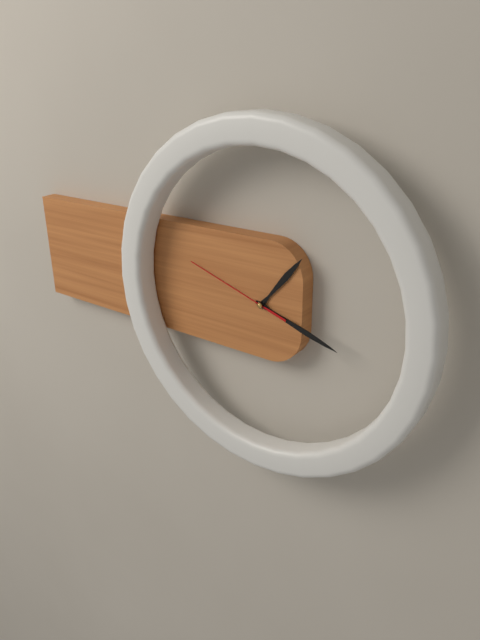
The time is h=1 m=18 s=48
